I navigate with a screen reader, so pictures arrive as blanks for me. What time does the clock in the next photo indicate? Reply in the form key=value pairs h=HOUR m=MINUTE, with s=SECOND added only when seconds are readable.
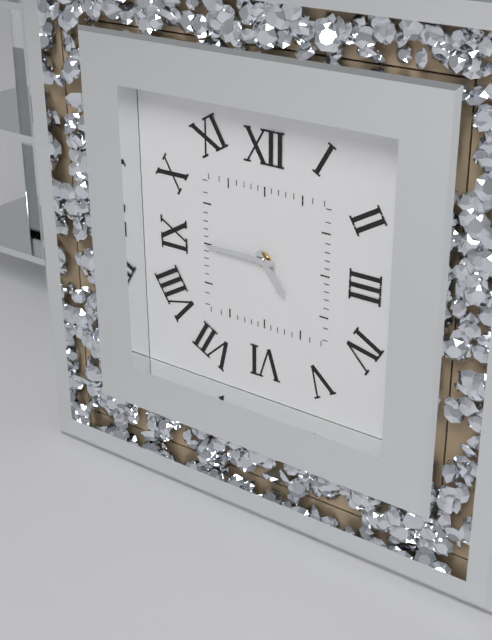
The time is h=4 m=45
